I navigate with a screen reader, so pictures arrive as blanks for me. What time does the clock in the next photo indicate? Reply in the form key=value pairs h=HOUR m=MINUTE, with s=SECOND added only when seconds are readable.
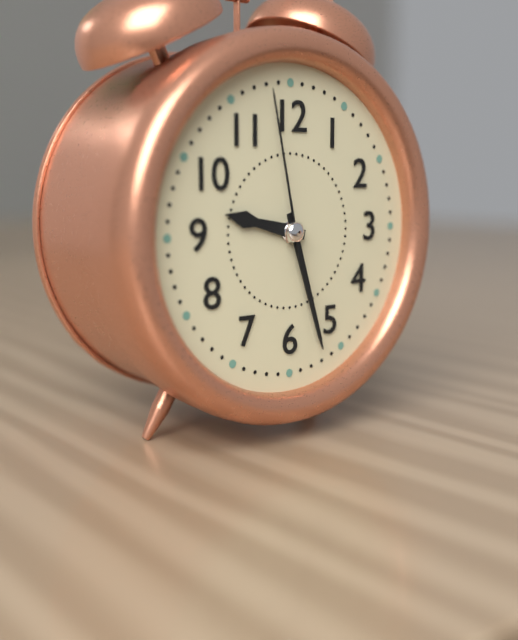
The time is h=9 m=27 s=58
